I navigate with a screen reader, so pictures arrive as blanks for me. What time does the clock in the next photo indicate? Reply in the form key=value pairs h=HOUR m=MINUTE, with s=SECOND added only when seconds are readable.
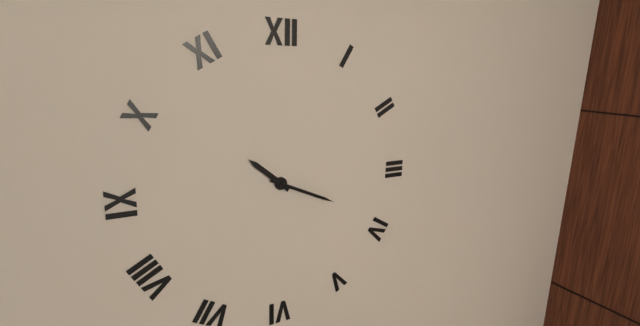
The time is h=10 m=19
